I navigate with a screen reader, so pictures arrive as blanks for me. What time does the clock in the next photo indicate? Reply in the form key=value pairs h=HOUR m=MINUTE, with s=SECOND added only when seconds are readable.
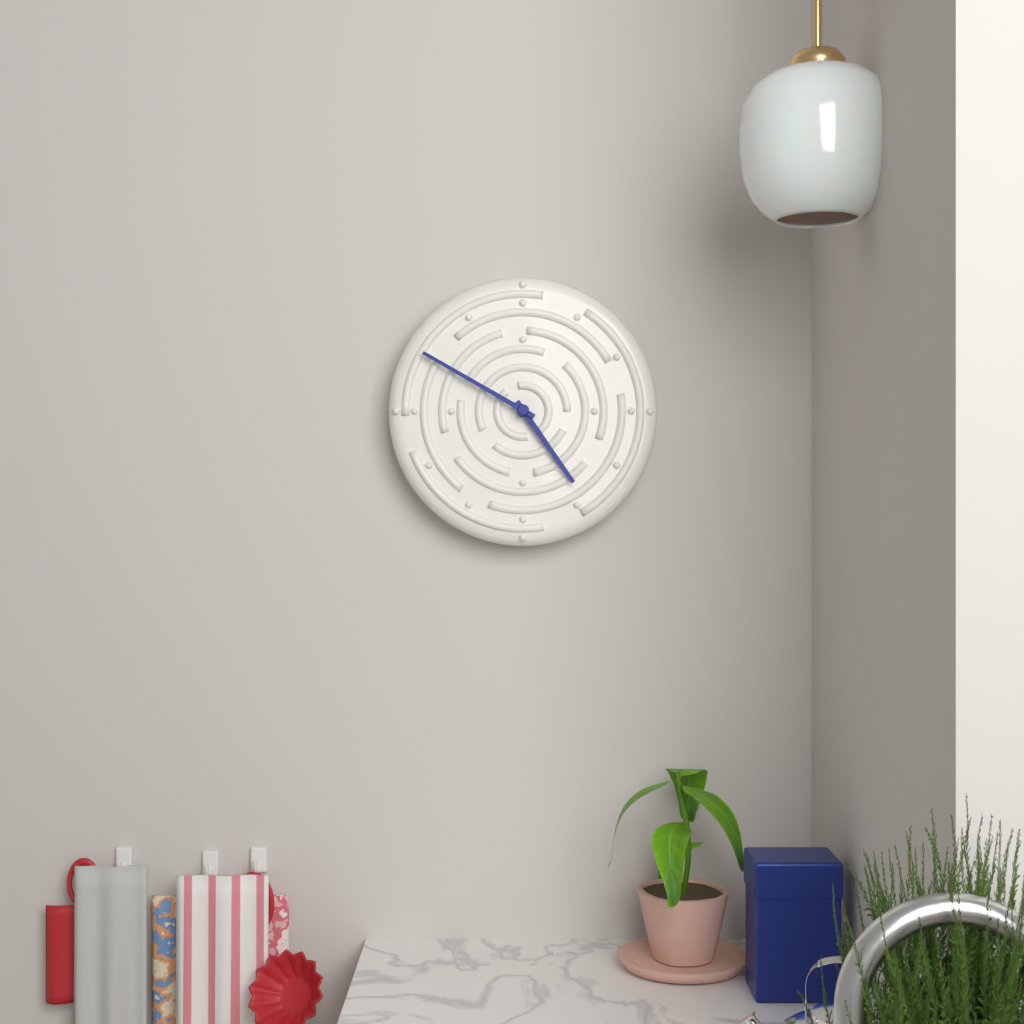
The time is h=4 m=50
